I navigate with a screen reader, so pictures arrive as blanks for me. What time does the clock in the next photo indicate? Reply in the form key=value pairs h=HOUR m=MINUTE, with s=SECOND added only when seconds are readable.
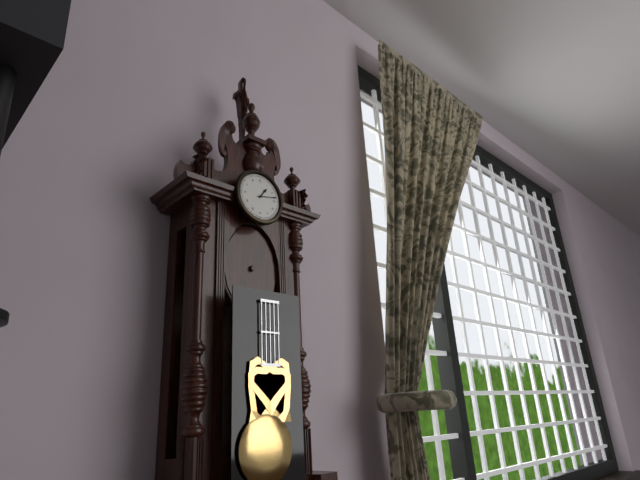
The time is h=1 m=13
